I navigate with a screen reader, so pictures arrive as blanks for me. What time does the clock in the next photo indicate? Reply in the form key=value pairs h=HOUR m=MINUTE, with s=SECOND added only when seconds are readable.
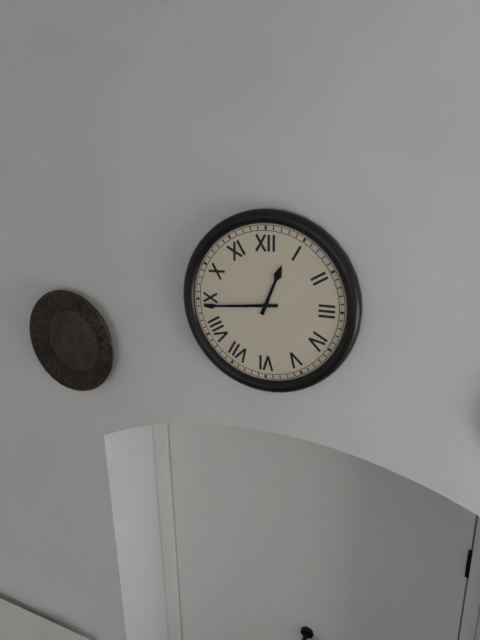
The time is h=12 m=44
